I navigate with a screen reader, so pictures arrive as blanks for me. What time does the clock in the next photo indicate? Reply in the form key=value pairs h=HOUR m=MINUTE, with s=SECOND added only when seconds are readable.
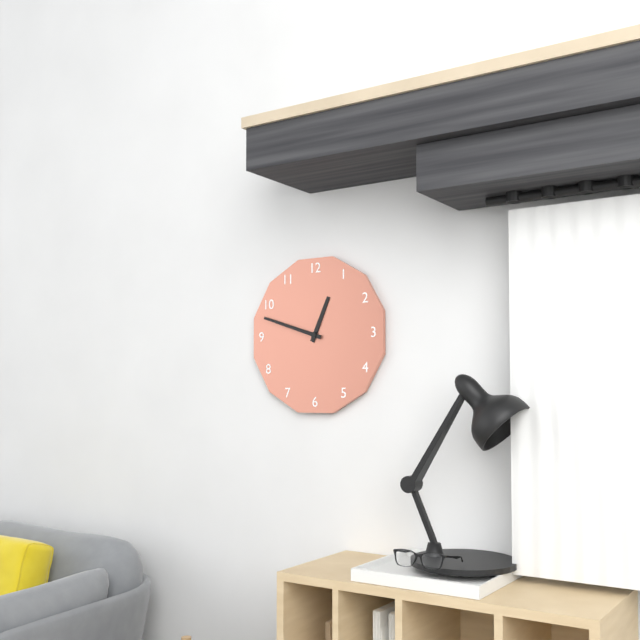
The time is h=12 m=48
